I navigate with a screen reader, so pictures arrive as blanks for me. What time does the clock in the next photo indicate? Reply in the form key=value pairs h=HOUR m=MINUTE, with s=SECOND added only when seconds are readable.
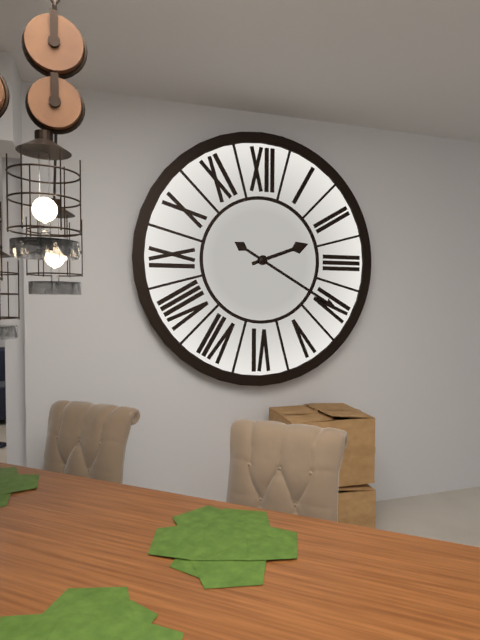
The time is h=2 m=20
